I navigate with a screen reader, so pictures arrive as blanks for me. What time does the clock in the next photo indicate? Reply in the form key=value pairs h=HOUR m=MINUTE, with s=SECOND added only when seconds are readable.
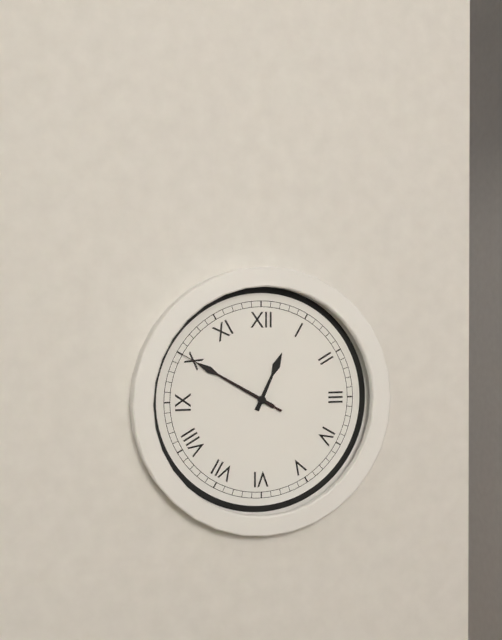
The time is h=12 m=50 s=50
